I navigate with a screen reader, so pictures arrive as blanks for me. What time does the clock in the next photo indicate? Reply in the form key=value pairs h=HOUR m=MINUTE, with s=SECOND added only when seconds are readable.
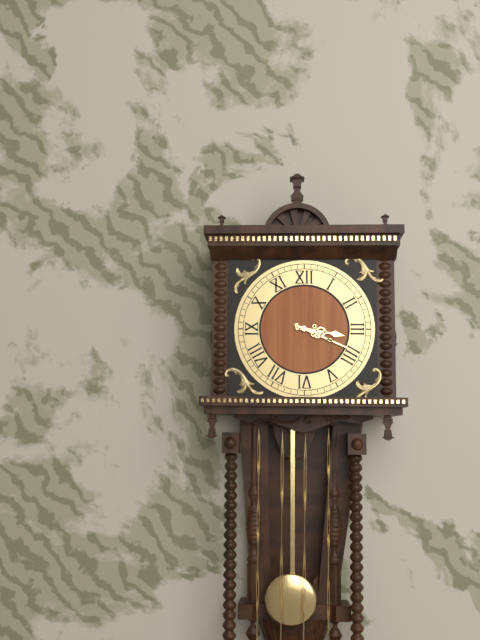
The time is h=3 m=19
